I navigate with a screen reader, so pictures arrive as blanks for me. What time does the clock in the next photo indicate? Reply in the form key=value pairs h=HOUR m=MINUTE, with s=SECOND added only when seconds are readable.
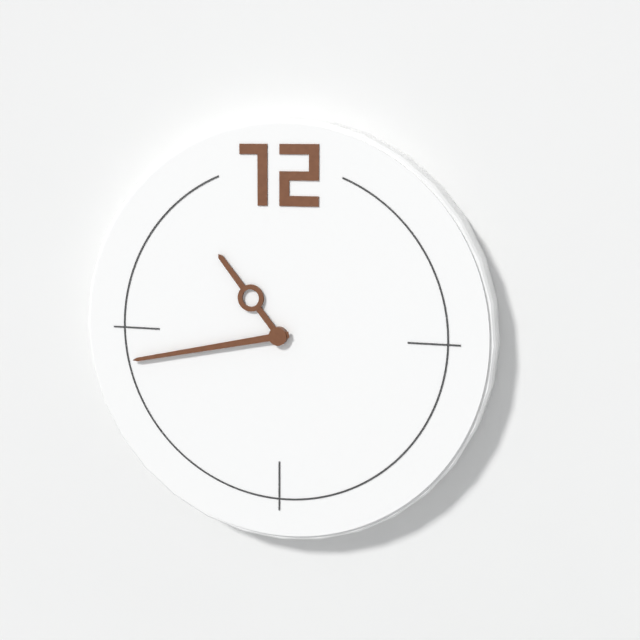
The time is h=10 m=43
